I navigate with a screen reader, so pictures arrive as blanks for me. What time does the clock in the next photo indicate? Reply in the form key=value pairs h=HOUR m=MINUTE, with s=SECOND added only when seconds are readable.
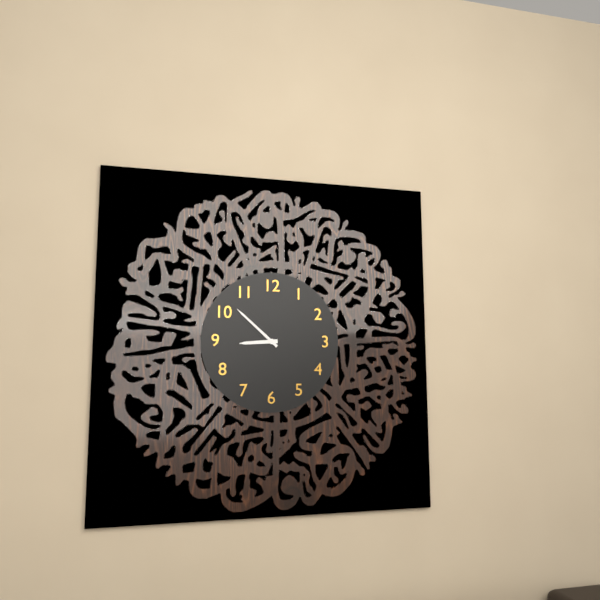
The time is h=8 m=52
